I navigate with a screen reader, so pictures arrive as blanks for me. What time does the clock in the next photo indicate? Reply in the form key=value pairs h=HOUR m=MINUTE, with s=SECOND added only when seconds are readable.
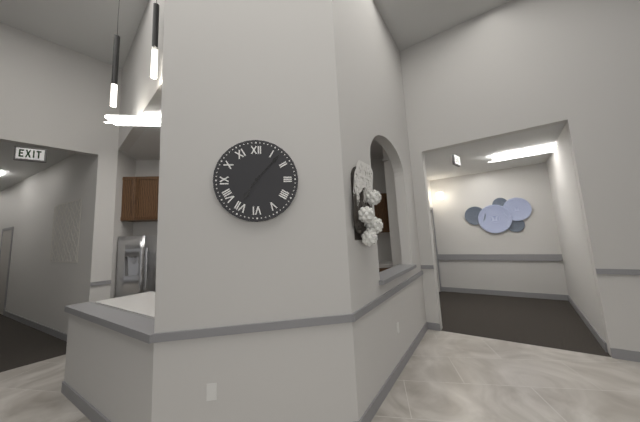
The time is h=7 m=7
